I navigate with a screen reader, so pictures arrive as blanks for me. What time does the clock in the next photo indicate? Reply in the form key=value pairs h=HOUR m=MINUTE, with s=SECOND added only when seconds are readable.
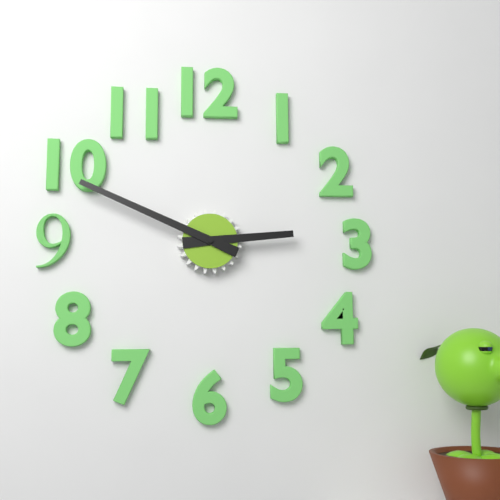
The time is h=2 m=49
